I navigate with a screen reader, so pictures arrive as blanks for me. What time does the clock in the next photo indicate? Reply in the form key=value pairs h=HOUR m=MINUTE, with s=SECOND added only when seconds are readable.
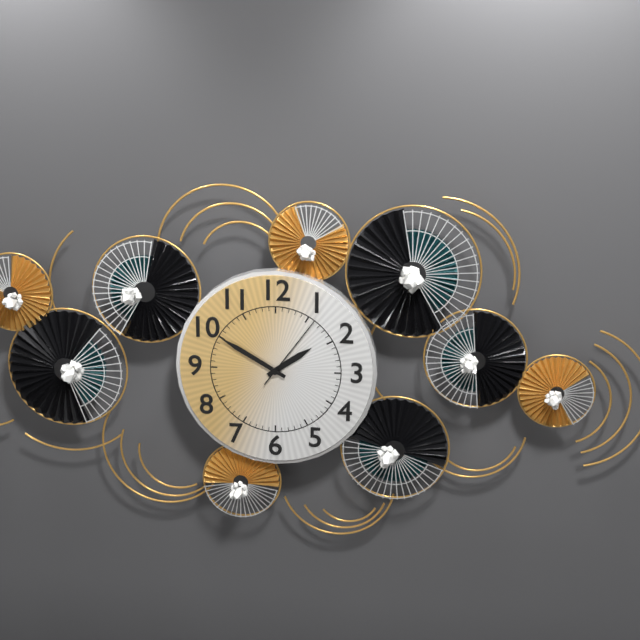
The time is h=1 m=50 s=6
